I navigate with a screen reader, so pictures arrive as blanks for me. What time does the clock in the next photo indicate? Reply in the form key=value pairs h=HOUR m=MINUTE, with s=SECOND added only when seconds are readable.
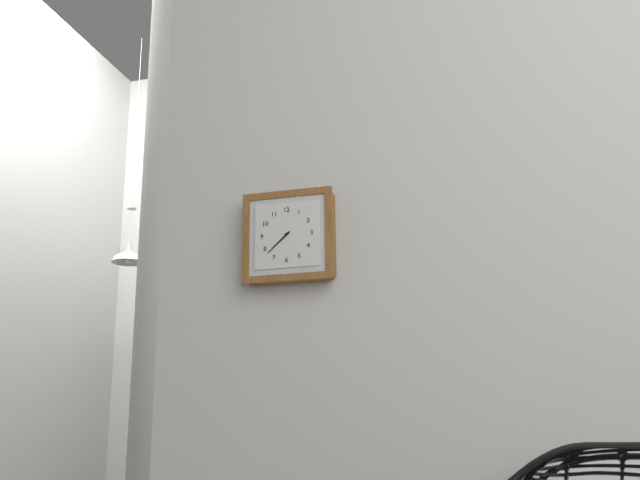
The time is h=7 m=38
